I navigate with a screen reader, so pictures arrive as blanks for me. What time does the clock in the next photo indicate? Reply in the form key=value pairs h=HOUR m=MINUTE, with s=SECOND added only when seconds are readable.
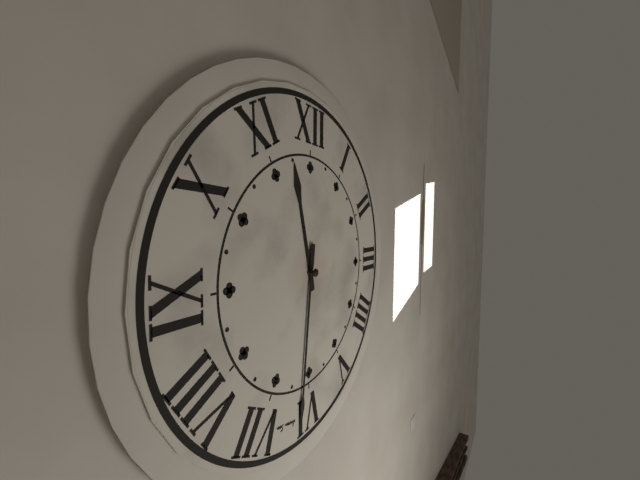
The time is h=11 m=31
